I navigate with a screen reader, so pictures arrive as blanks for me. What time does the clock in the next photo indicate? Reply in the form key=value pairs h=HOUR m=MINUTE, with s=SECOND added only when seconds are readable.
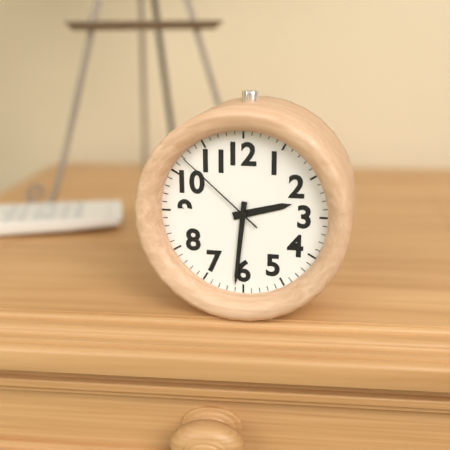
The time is h=2 m=31 s=52
